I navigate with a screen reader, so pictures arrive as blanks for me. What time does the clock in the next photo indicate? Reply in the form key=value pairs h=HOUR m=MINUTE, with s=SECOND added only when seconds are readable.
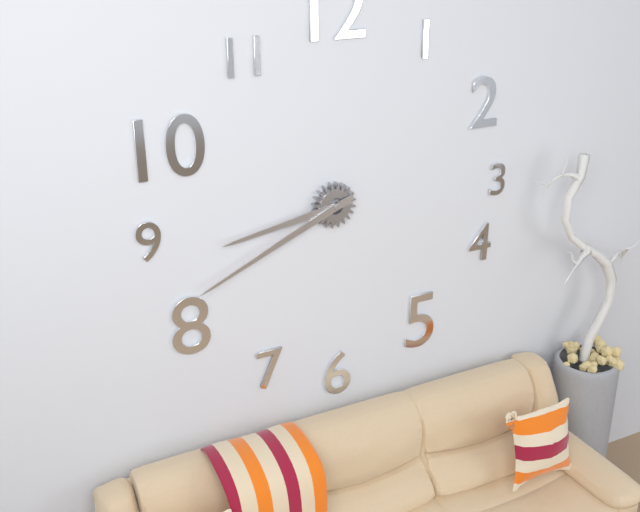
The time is h=8 m=41
